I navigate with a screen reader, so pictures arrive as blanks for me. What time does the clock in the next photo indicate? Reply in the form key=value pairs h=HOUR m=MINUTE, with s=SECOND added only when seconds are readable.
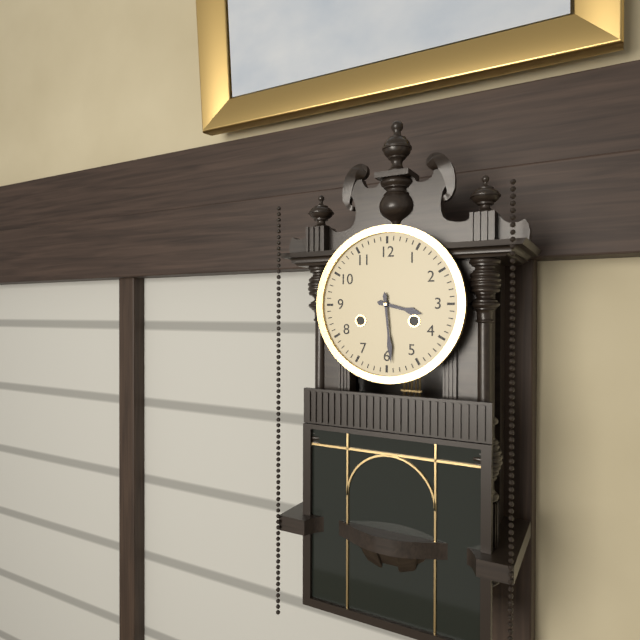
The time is h=3 m=29
